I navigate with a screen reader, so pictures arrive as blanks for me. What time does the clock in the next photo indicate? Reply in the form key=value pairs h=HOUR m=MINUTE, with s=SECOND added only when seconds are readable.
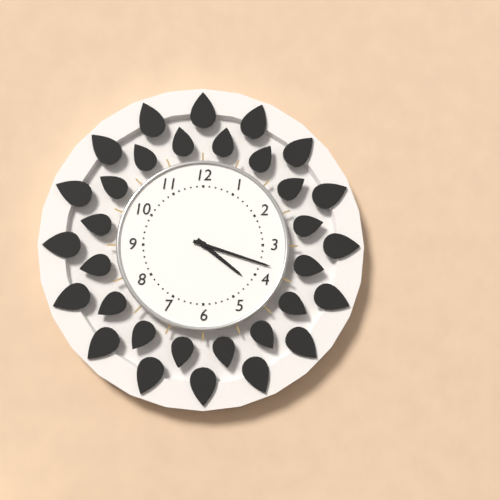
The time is h=4 m=18
